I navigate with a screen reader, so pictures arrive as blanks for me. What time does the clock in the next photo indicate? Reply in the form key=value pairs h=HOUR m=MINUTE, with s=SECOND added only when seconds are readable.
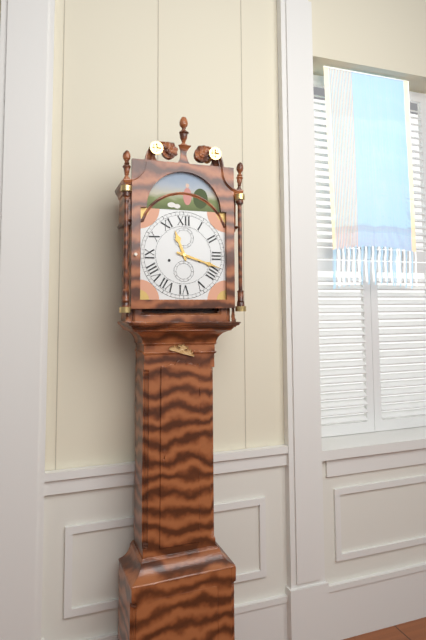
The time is h=11 m=18
